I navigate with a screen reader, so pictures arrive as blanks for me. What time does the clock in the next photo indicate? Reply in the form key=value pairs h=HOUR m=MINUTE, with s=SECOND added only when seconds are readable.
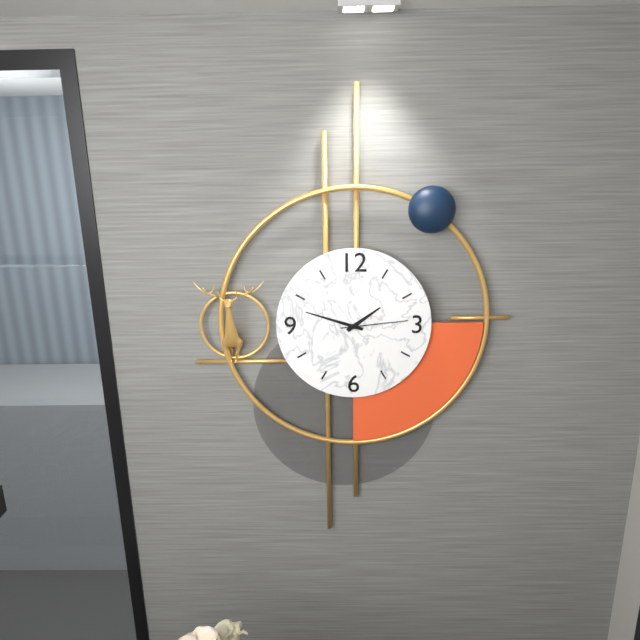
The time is h=1 m=48 s=14
